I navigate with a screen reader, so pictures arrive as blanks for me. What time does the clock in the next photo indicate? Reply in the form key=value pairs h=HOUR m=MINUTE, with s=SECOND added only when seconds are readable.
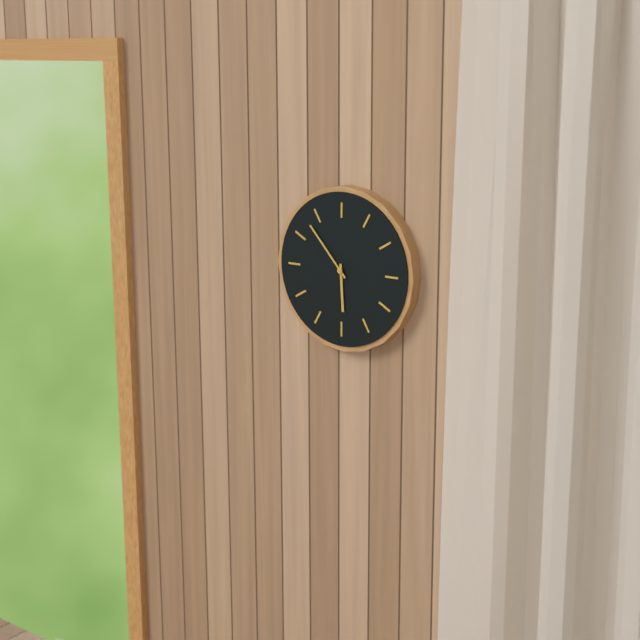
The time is h=5 m=53
